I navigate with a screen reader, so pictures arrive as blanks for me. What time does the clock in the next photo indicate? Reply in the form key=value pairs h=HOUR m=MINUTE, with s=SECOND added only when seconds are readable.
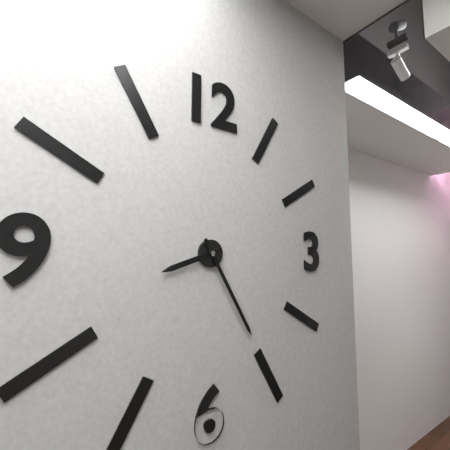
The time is h=8 m=25
